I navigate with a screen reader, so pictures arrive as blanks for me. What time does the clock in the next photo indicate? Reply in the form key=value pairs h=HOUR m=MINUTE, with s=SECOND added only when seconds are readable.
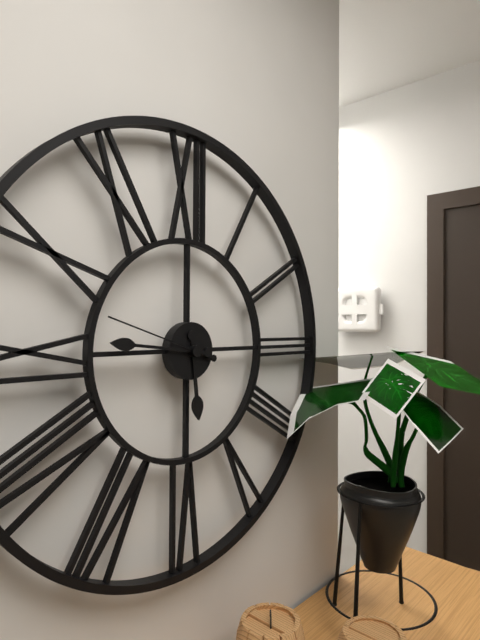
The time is h=5 m=46 s=48
